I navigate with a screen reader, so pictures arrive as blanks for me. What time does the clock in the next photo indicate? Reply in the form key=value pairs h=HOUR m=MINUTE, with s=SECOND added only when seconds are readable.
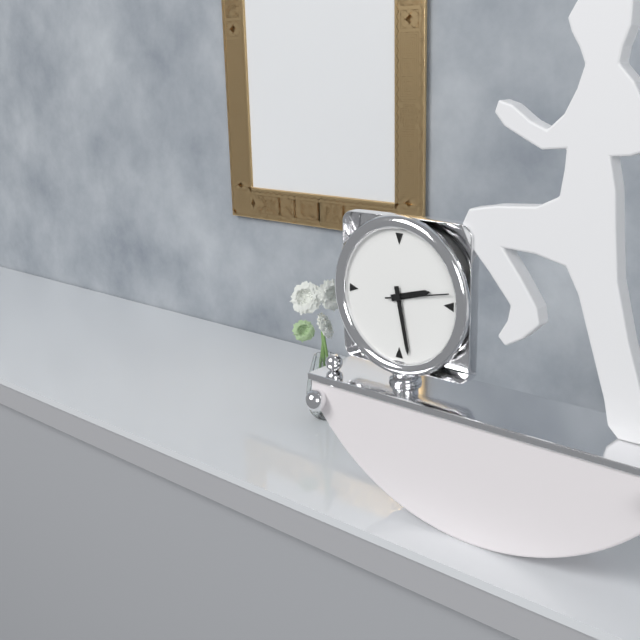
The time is h=2 m=28 s=13
